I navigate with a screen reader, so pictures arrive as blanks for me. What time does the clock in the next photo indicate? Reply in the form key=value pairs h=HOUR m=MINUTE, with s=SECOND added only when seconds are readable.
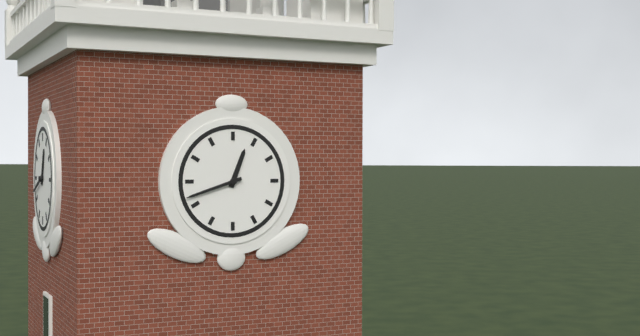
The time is h=12 m=42
